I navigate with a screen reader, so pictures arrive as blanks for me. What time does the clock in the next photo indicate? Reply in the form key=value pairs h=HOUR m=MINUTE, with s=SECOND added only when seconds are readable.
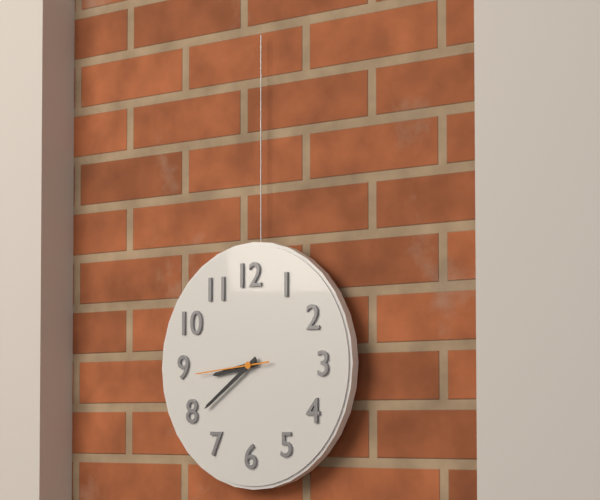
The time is h=8 m=39 s=44
